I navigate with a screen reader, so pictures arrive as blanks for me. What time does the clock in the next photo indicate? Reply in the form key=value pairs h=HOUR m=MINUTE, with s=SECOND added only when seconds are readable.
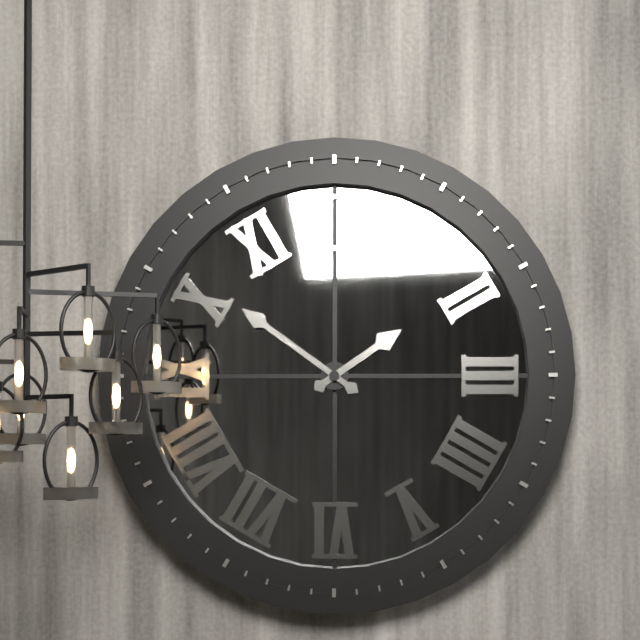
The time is h=1 m=51
